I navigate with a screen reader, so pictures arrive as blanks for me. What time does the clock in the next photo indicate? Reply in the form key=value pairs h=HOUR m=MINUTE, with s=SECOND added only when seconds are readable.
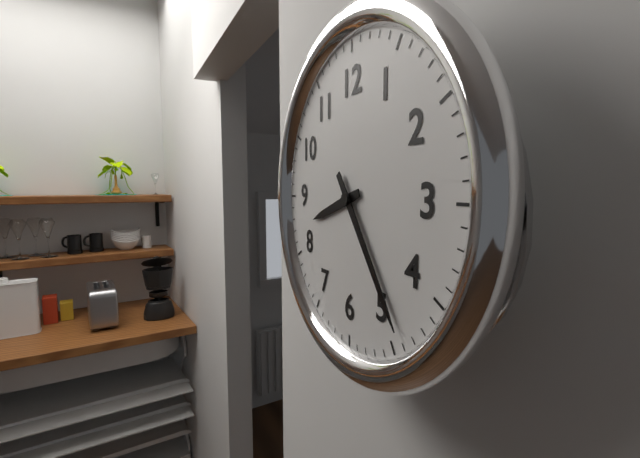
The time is h=8 m=24
